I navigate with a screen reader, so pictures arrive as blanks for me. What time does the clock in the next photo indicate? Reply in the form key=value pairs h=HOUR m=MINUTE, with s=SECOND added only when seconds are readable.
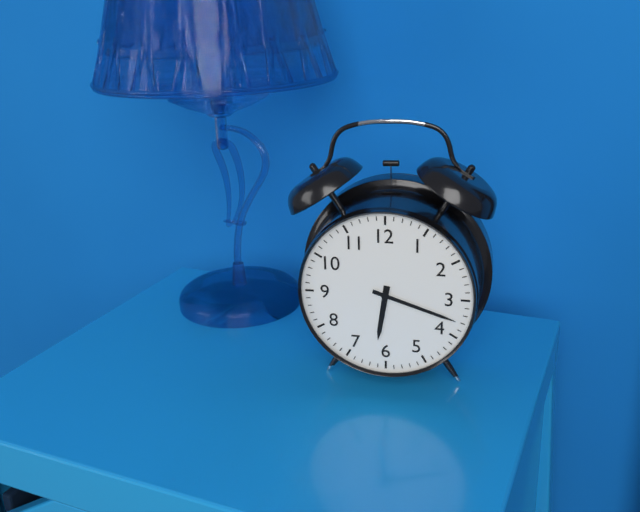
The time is h=6 m=18
